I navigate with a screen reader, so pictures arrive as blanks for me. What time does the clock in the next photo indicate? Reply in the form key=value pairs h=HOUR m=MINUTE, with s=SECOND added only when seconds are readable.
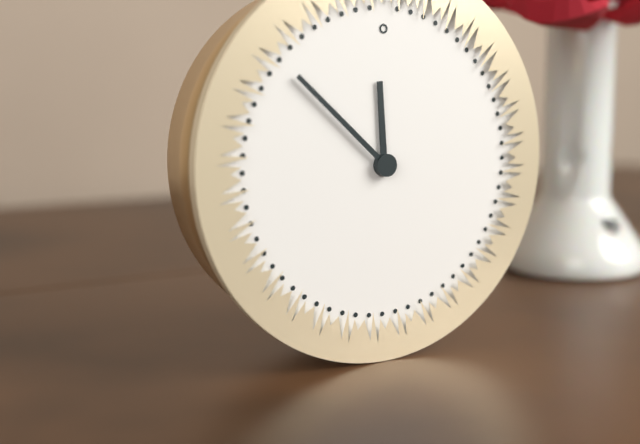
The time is h=11 m=52
